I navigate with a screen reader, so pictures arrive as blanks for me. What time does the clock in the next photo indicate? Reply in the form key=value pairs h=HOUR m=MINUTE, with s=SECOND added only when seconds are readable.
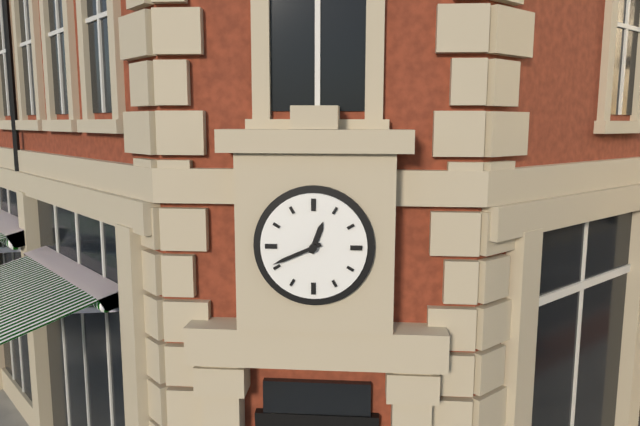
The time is h=12 m=41
